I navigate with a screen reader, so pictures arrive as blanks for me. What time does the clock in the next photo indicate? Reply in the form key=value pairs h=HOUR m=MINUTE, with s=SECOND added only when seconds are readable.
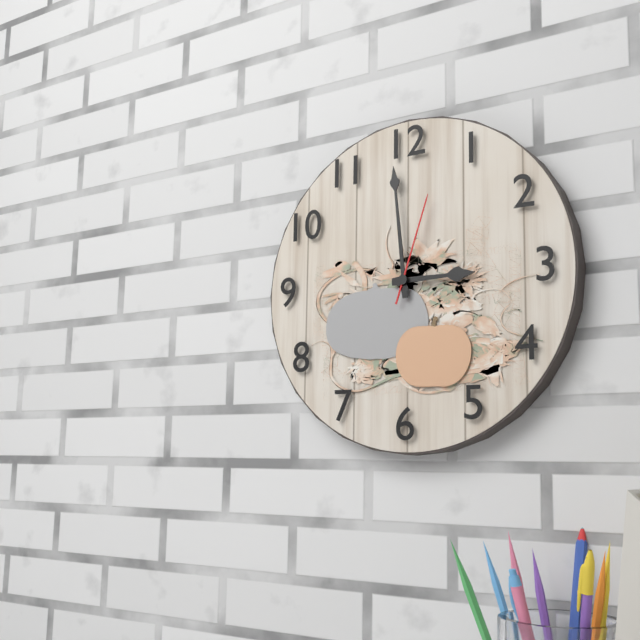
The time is h=2 m=59 s=3
